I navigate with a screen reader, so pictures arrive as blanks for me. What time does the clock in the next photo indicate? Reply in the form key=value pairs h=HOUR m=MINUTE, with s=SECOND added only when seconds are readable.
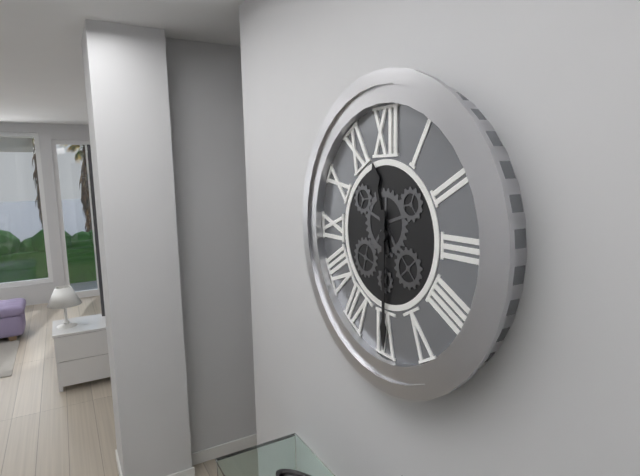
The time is h=11 m=30
